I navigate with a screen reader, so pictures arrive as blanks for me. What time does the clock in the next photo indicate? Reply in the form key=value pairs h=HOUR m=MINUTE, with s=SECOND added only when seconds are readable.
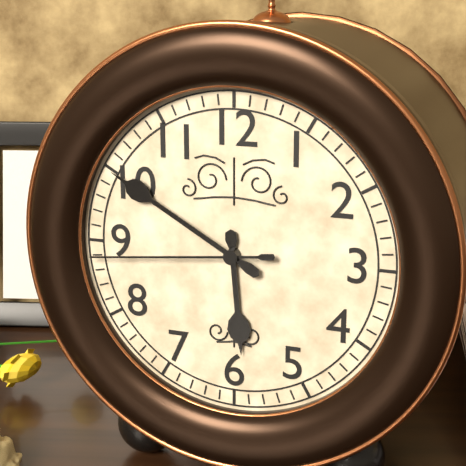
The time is h=5 m=50 s=44
